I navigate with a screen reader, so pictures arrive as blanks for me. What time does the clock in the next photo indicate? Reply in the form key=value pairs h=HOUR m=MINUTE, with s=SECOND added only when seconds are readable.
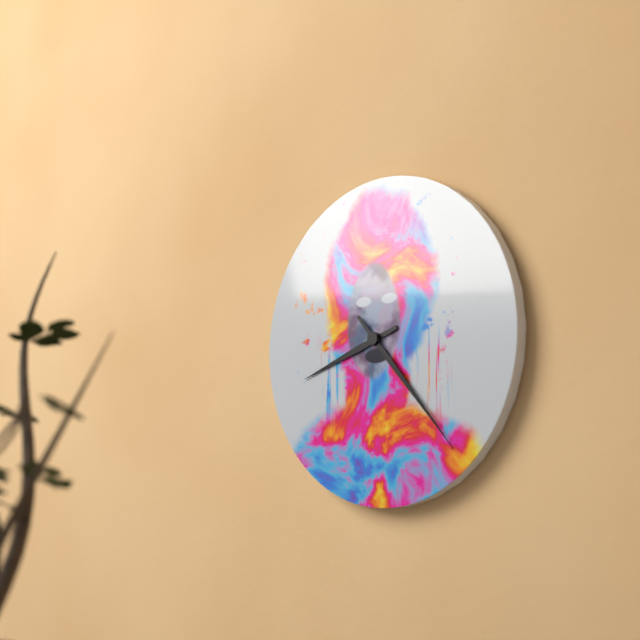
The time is h=8 m=23
